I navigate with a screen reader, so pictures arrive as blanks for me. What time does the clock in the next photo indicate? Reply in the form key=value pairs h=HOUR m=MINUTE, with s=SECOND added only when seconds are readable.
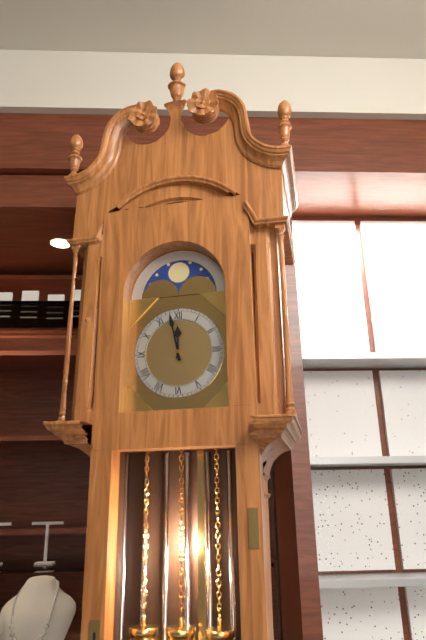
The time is h=11 m=58
